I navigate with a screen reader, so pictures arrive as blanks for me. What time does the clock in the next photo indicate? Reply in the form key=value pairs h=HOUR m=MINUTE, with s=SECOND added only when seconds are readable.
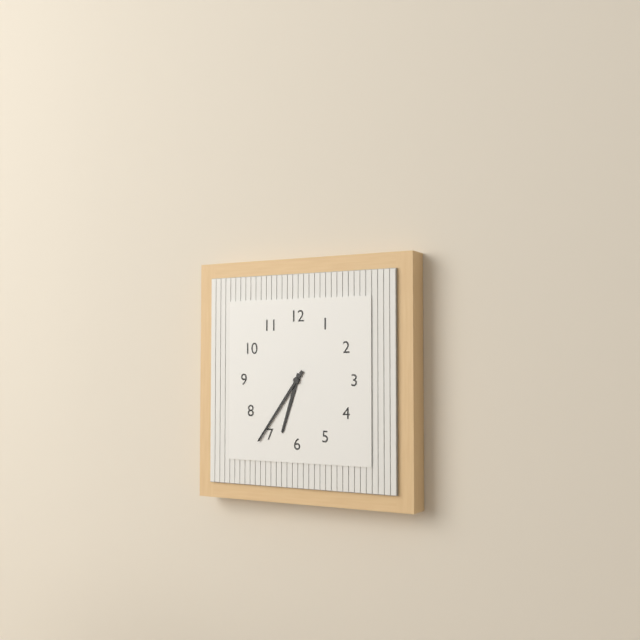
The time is h=6 m=36
